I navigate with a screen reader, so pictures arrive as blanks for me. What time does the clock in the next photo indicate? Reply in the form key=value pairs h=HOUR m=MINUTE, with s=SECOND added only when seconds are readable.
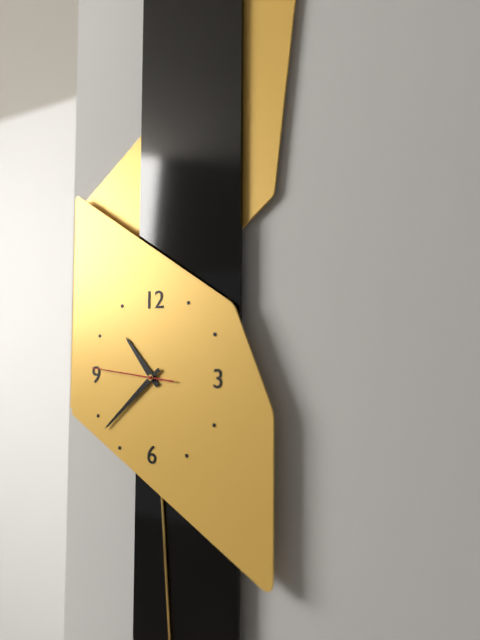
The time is h=10 m=38 s=46
